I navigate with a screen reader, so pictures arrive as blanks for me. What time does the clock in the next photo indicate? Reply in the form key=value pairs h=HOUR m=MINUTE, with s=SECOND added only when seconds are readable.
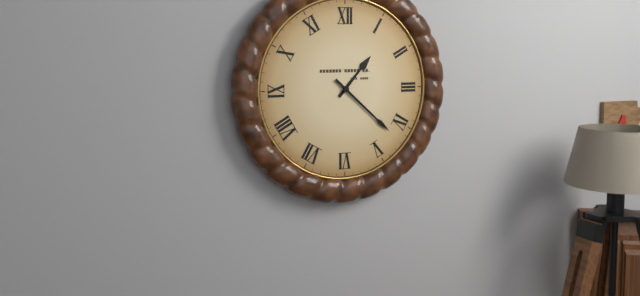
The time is h=1 m=22
